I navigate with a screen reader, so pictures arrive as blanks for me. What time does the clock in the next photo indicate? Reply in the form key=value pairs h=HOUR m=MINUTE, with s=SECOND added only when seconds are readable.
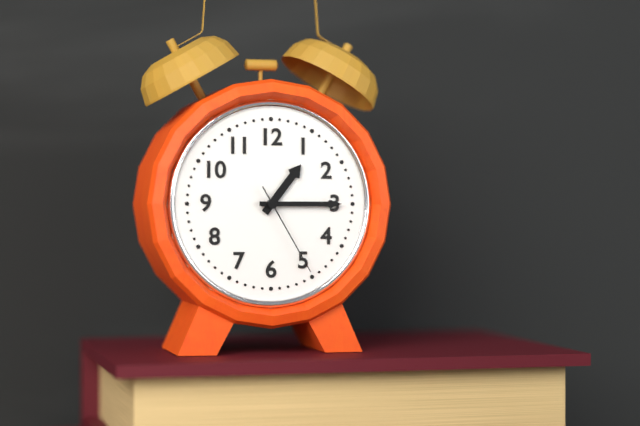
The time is h=1 m=15 s=25
